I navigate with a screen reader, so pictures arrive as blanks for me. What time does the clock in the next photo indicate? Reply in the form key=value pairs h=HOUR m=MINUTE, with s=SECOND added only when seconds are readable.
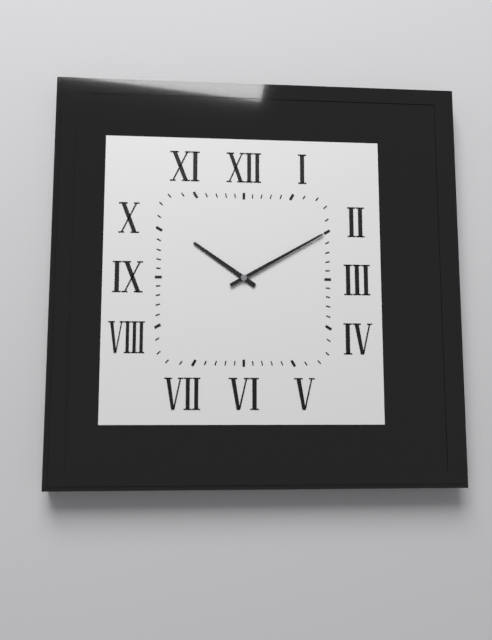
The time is h=10 m=10
